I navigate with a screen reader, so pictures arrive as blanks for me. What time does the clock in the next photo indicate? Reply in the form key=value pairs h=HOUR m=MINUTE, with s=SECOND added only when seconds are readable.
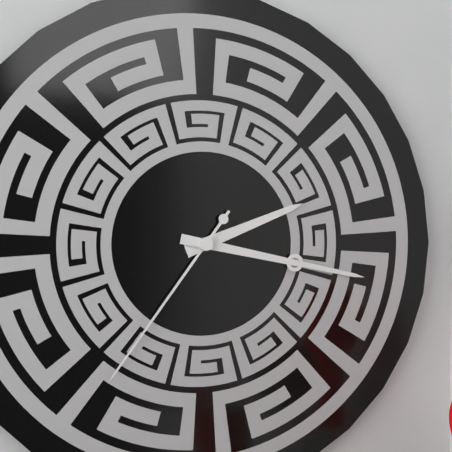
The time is h=2 m=17 s=36
